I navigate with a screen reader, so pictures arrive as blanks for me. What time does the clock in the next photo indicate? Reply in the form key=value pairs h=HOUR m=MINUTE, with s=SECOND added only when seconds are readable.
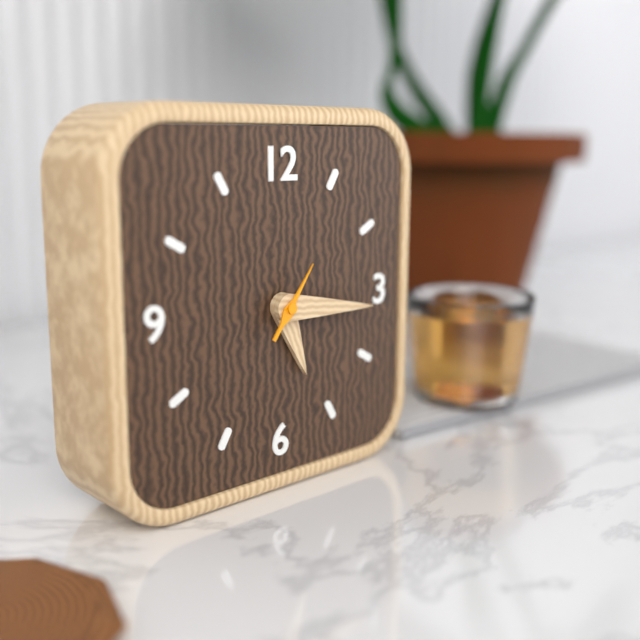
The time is h=5 m=16 s=6
